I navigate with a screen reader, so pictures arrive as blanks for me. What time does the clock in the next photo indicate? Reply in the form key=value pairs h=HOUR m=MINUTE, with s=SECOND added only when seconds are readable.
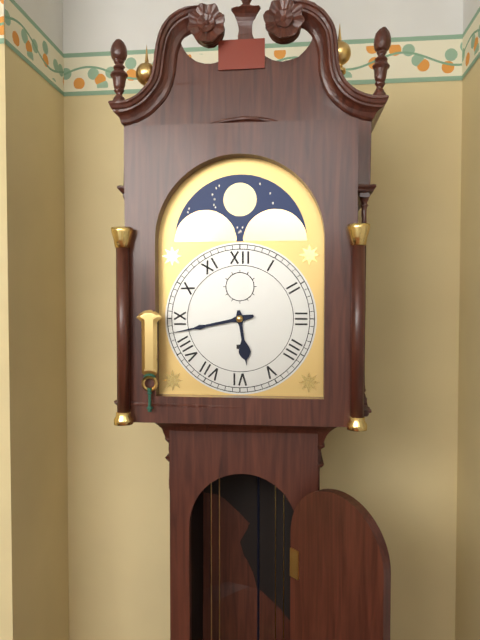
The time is h=5 m=43
